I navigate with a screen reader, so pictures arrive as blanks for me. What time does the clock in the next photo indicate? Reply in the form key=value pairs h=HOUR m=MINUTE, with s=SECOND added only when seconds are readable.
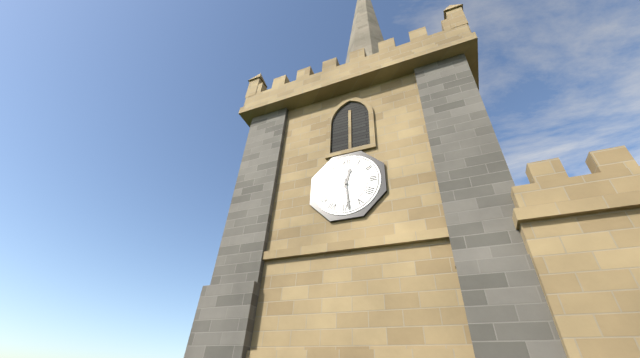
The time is h=12 m=29
